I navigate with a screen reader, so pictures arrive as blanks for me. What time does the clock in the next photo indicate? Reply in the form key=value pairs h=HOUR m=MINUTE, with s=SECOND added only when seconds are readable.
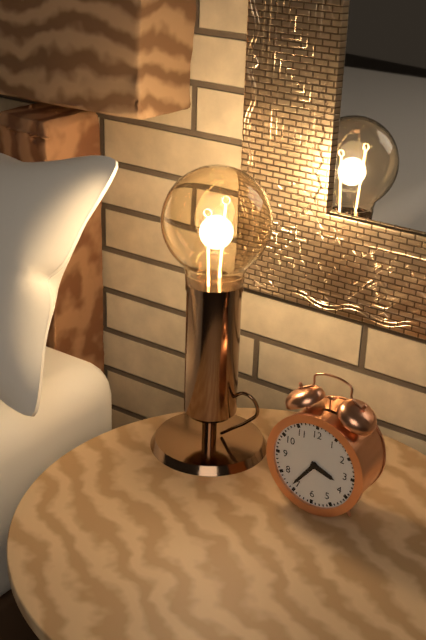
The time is h=3 m=36
